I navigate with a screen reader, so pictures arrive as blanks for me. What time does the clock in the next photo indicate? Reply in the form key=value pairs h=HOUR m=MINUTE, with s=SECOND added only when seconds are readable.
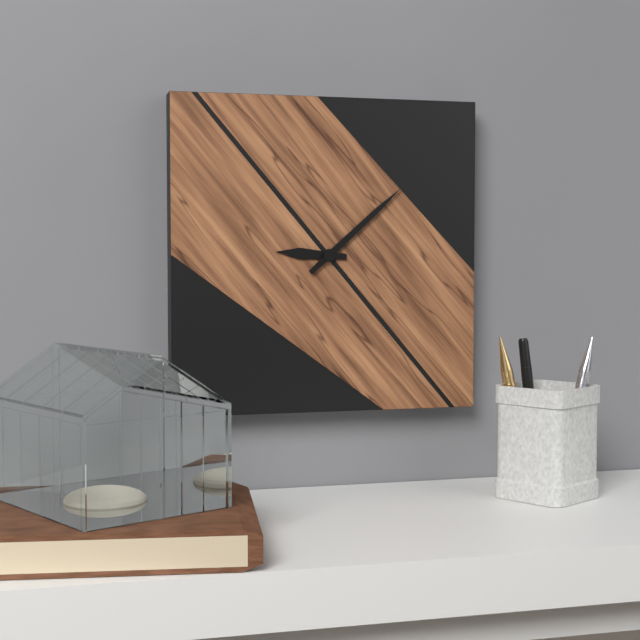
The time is h=9 m=8
